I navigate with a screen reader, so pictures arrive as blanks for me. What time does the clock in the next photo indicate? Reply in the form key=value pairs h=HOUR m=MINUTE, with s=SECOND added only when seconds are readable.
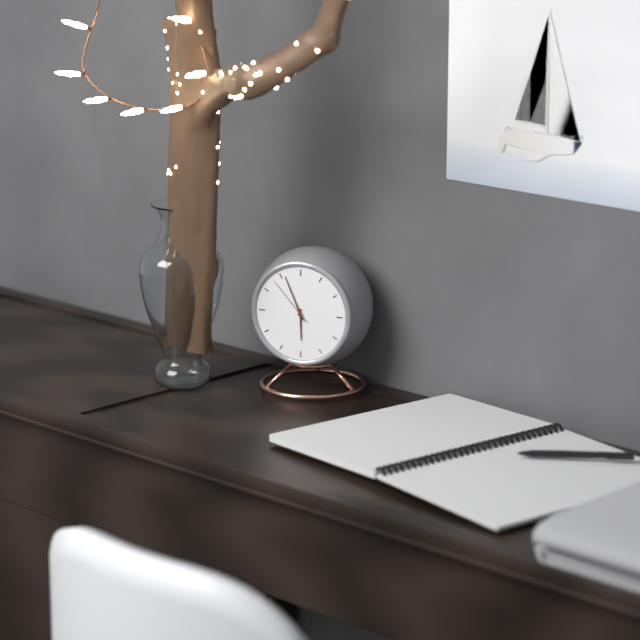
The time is h=5 m=56 s=53
